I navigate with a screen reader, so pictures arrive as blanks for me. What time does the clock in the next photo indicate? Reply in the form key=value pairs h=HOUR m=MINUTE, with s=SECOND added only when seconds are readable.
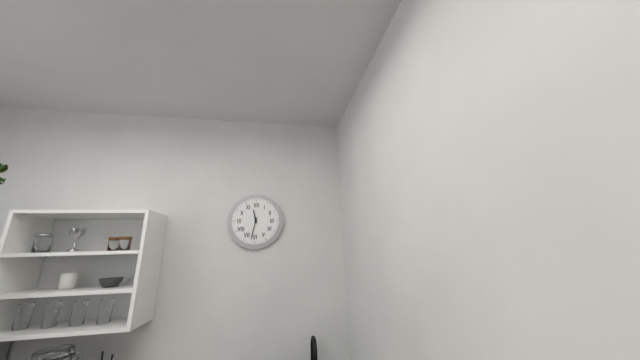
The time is h=11 m=32
